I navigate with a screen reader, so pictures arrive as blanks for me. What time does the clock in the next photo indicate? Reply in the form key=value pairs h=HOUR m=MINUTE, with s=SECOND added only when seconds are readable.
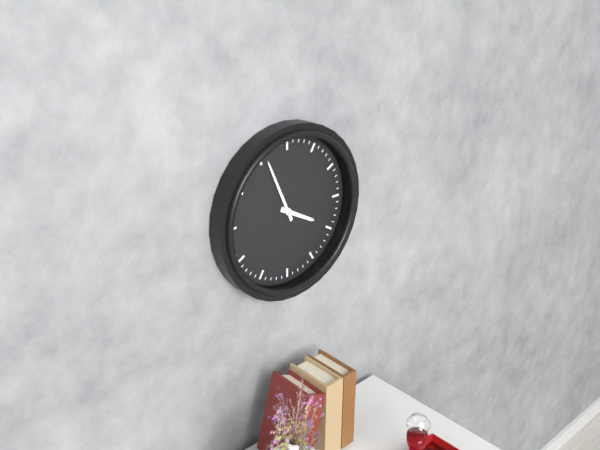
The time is h=3 m=56
